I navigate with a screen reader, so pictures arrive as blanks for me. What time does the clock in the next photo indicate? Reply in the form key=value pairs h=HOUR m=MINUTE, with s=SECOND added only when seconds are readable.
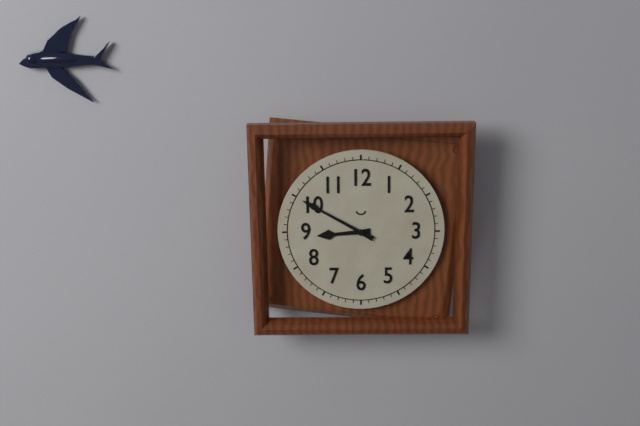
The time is h=8 m=50
